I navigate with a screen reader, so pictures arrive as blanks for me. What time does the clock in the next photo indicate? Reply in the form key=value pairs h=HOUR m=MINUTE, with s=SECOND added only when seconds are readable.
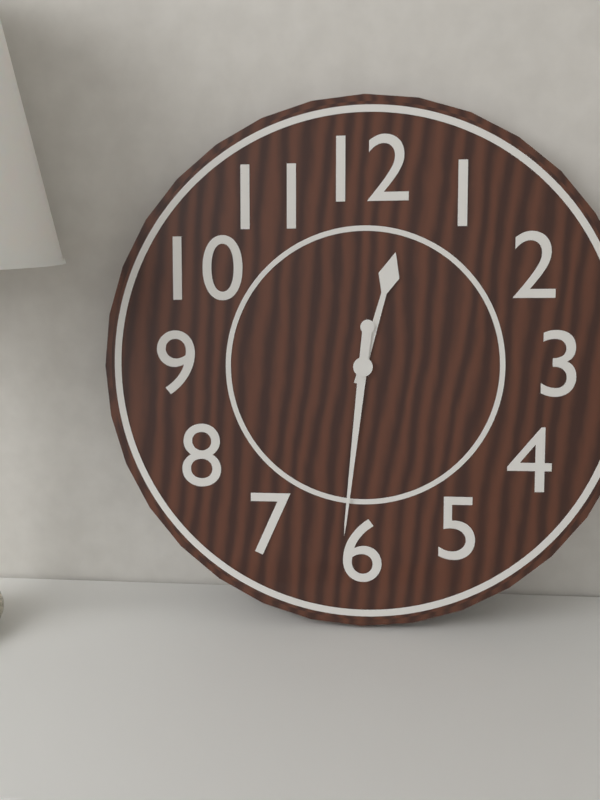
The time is h=12 m=31
